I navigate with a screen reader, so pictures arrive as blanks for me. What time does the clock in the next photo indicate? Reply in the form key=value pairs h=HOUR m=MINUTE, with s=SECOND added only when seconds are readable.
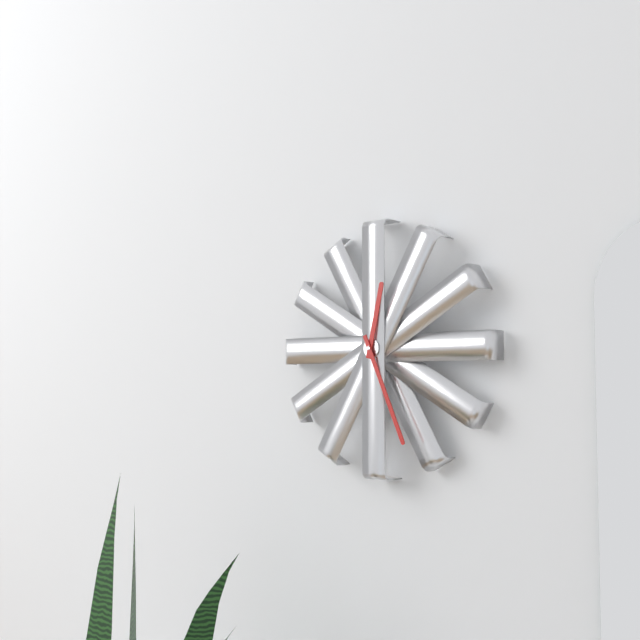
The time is h=12 m=26
